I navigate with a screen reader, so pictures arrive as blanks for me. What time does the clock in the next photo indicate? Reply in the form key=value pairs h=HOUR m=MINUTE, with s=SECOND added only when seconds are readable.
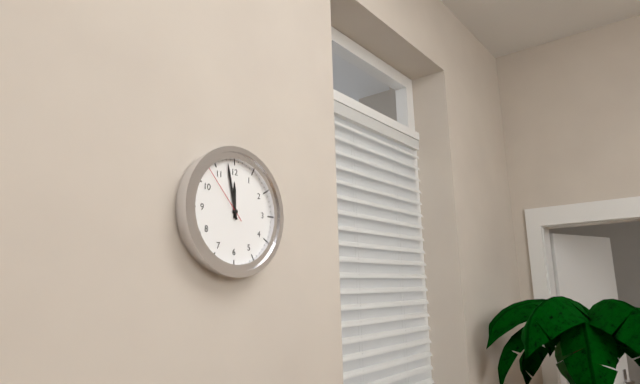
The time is h=11 m=58 s=53
